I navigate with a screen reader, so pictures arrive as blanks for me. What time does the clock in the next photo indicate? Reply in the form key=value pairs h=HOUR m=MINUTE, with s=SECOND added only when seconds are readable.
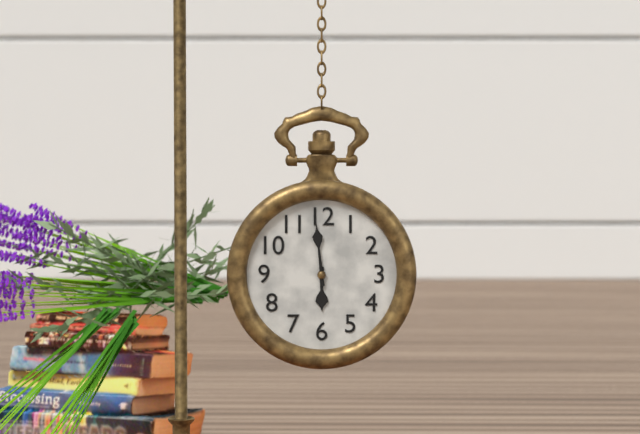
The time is h=5 m=59
